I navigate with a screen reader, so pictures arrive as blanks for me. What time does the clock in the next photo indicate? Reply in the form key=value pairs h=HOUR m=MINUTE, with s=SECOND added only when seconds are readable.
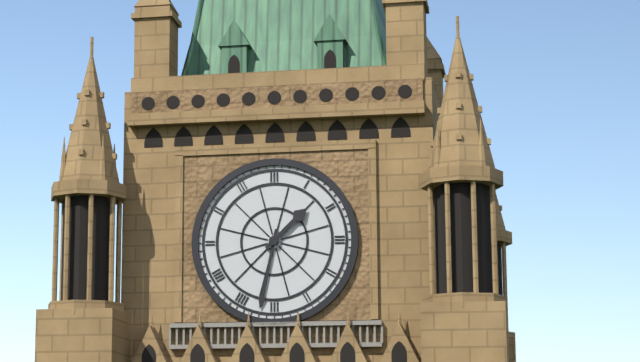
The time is h=1 m=32
